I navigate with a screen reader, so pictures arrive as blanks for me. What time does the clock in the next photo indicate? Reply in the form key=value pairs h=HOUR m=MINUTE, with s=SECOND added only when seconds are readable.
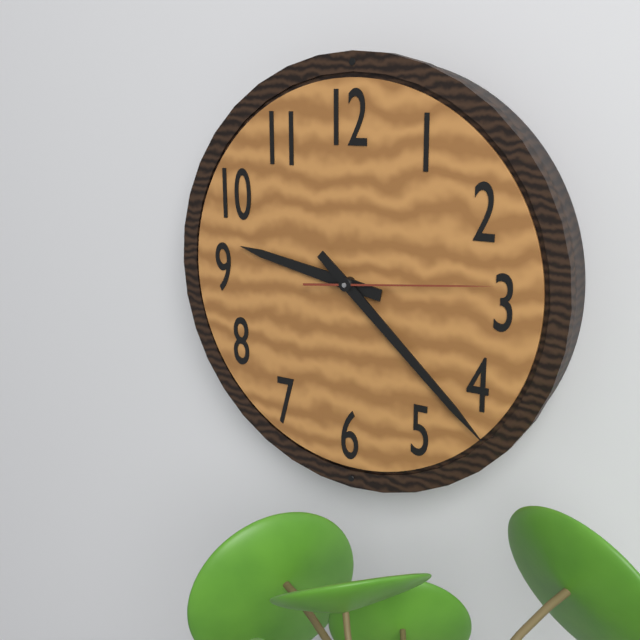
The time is h=9 m=22 s=14
